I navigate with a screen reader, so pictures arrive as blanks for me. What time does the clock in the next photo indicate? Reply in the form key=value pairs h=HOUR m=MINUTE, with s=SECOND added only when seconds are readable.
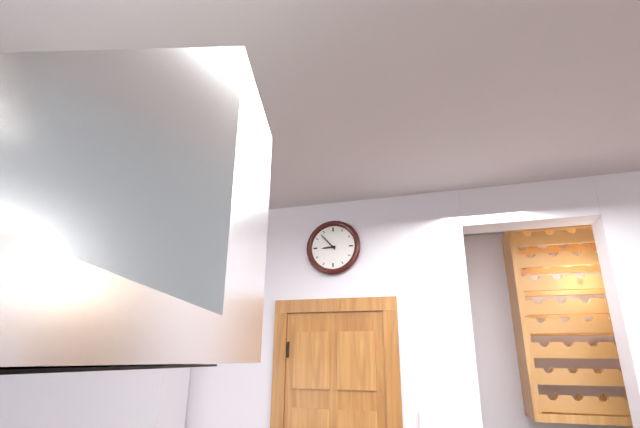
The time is h=8 m=53
